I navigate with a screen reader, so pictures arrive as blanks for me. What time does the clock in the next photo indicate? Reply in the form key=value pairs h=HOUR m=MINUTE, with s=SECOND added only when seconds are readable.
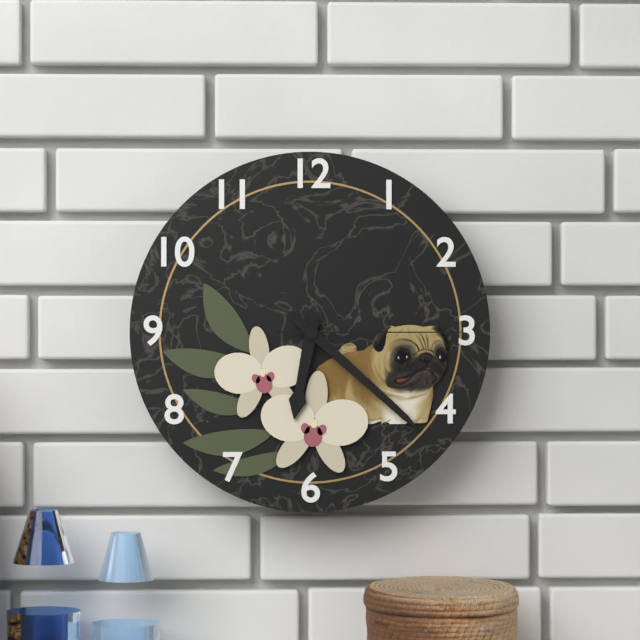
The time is h=6 m=22 s=15
